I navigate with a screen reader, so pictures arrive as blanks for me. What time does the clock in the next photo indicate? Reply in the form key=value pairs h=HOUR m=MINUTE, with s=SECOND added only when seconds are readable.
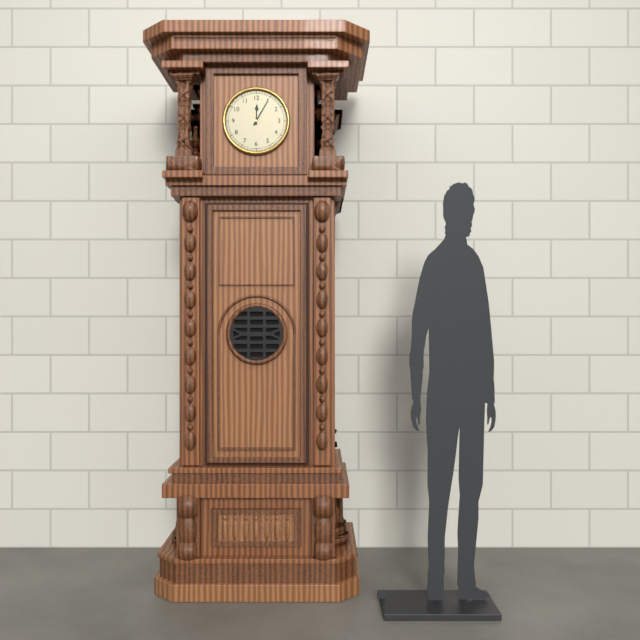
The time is h=12 m=5
